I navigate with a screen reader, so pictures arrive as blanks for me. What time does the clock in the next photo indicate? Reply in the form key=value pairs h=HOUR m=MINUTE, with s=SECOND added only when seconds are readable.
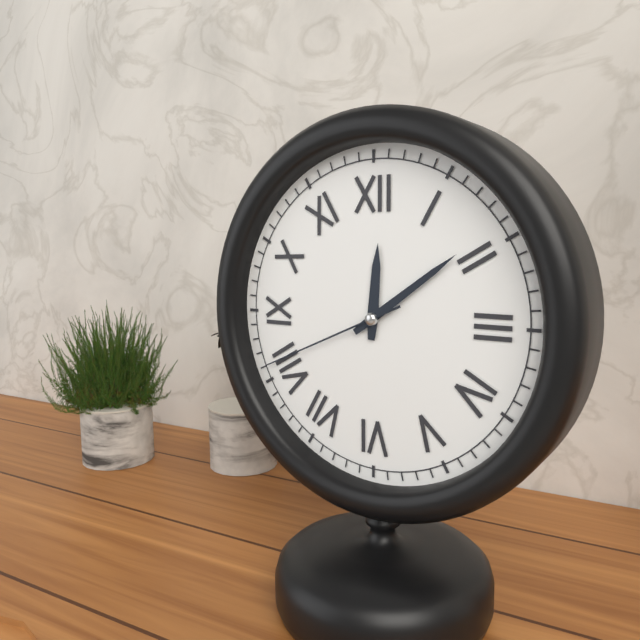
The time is h=12 m=9 s=41
